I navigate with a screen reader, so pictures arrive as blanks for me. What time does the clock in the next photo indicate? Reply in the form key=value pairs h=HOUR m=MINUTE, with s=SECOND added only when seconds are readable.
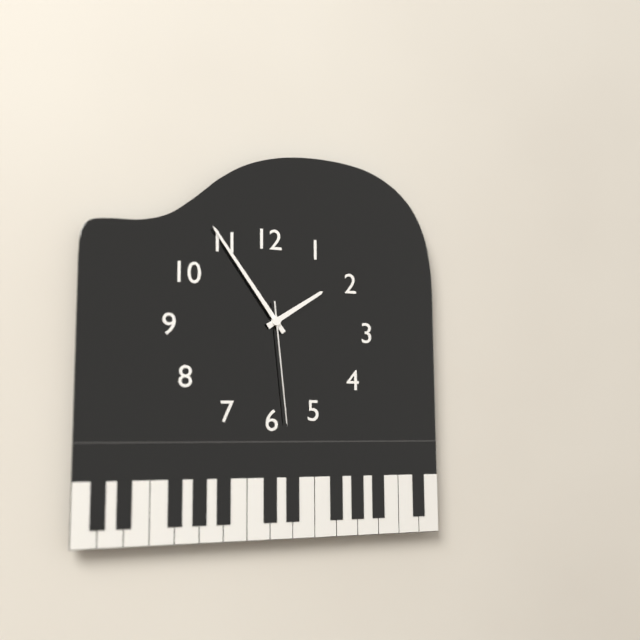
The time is h=1 m=54 s=29
